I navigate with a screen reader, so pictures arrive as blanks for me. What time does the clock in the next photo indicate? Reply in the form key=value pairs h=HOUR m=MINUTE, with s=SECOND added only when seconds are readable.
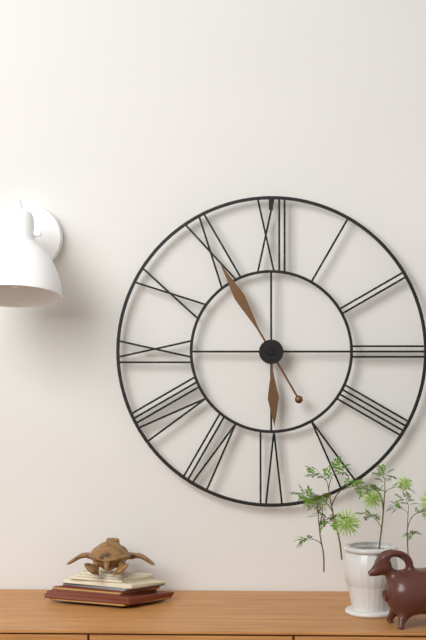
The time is h=5 m=55
